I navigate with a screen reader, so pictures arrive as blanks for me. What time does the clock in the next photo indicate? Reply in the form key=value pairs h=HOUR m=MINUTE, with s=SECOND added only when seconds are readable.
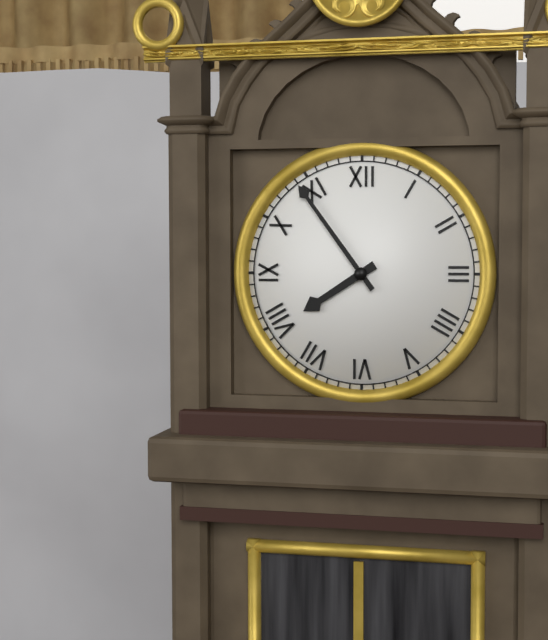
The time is h=7 m=54
